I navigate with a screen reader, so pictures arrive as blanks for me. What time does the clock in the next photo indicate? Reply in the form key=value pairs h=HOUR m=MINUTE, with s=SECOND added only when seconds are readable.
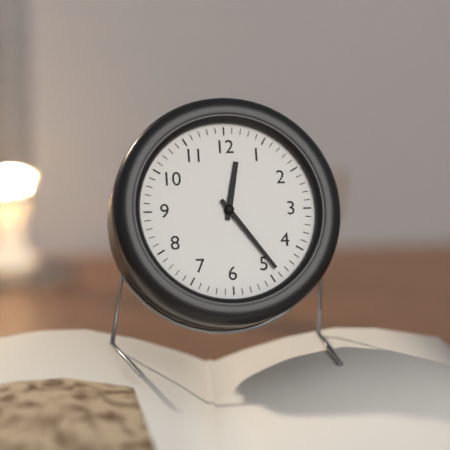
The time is h=12 m=24
